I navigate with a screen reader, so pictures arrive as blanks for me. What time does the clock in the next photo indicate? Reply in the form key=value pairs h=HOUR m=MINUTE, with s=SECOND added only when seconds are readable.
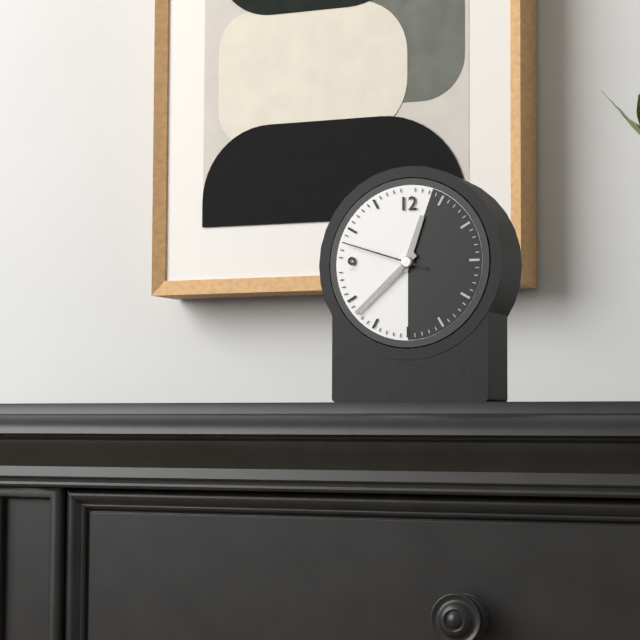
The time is h=12 m=38 s=48
